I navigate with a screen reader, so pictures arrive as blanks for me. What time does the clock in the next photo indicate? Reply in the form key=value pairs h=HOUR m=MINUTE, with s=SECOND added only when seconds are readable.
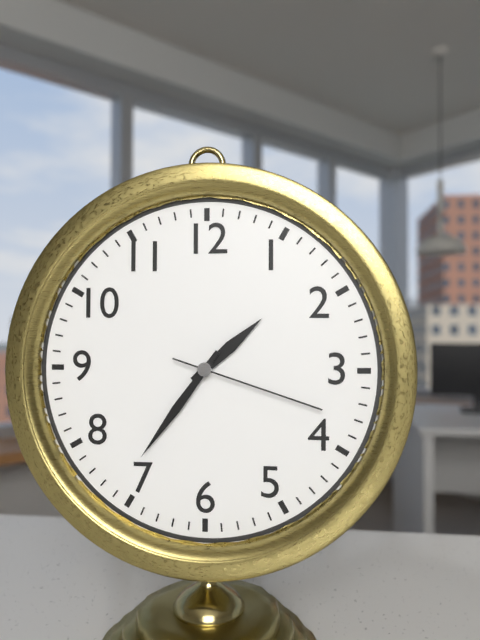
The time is h=1 m=36 s=18
